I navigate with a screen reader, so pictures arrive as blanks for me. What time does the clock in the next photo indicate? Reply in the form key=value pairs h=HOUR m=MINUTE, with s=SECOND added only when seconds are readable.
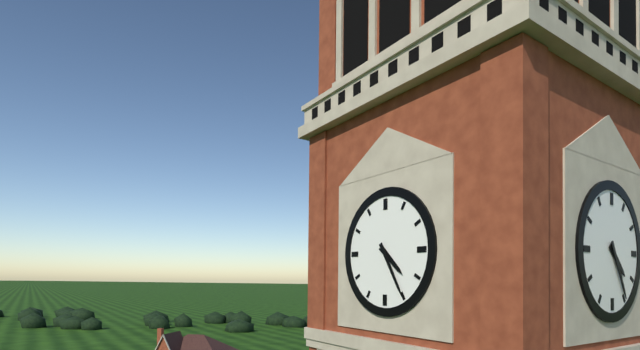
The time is h=4 m=25
